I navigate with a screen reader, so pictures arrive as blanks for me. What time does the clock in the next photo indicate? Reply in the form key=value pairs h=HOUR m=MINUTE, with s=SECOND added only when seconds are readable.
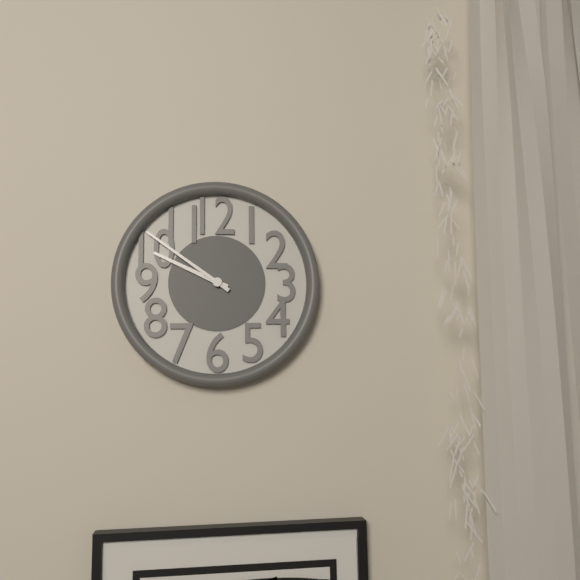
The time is h=9 m=51
